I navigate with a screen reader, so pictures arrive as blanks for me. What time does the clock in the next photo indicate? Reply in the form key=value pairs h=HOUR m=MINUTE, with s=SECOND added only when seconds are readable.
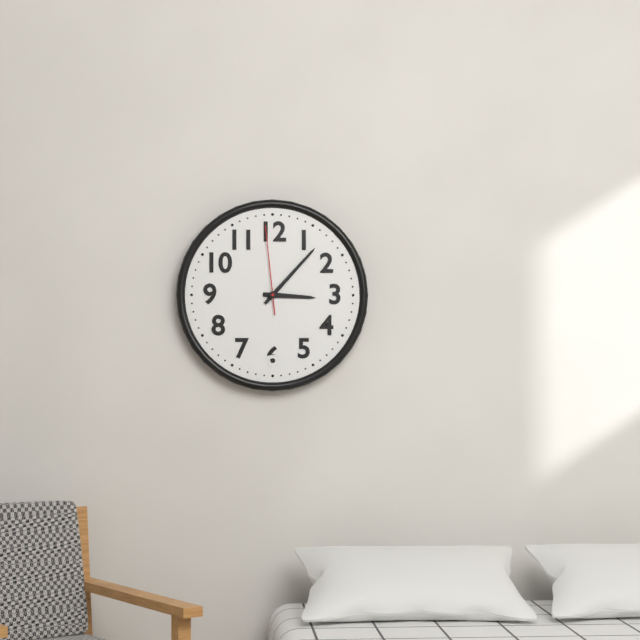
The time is h=3 m=7 s=59
